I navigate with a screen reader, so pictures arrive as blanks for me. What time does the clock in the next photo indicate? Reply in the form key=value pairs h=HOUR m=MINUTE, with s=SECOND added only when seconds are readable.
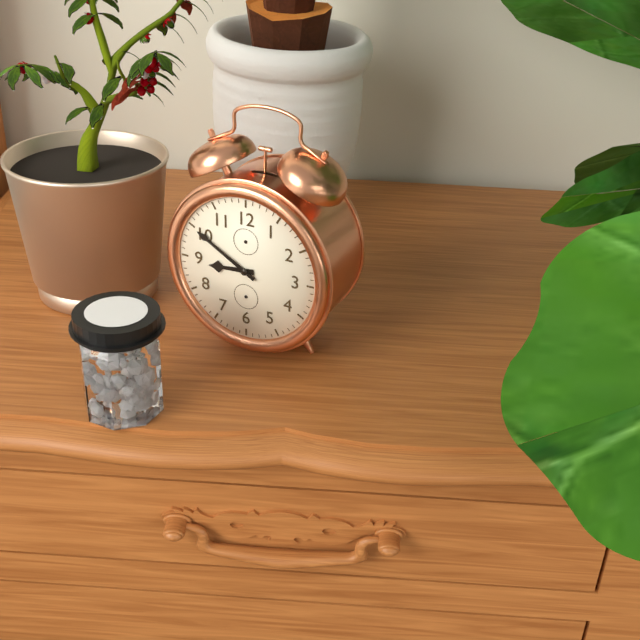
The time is h=8 m=50
